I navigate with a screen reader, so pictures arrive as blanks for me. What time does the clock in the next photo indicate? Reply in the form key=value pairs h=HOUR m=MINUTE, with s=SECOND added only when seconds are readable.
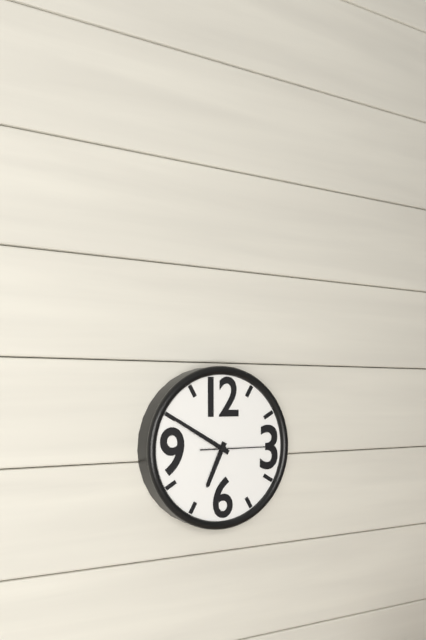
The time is h=6 m=50 s=15
